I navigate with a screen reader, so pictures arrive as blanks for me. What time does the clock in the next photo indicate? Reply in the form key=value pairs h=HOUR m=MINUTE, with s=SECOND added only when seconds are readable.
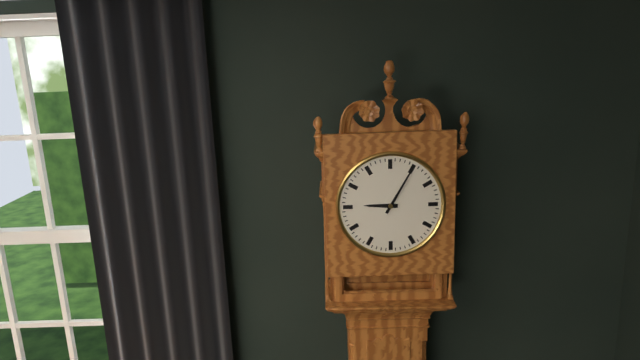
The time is h=9 m=5
